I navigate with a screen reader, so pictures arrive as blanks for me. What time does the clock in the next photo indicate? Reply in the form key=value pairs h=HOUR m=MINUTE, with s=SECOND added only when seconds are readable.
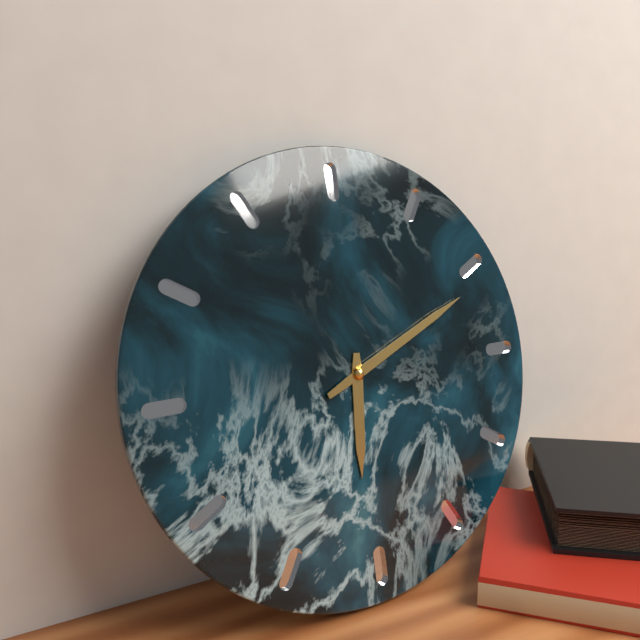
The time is h=6 m=11
